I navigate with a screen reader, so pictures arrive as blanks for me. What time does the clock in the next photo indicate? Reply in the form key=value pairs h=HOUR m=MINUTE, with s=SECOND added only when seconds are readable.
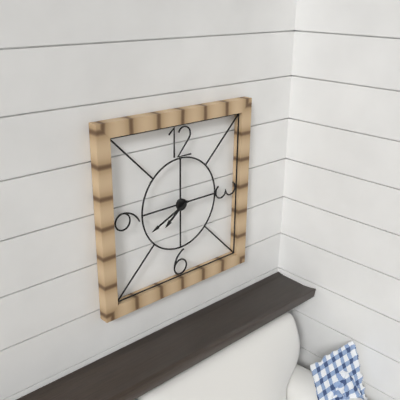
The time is h=7 m=41
